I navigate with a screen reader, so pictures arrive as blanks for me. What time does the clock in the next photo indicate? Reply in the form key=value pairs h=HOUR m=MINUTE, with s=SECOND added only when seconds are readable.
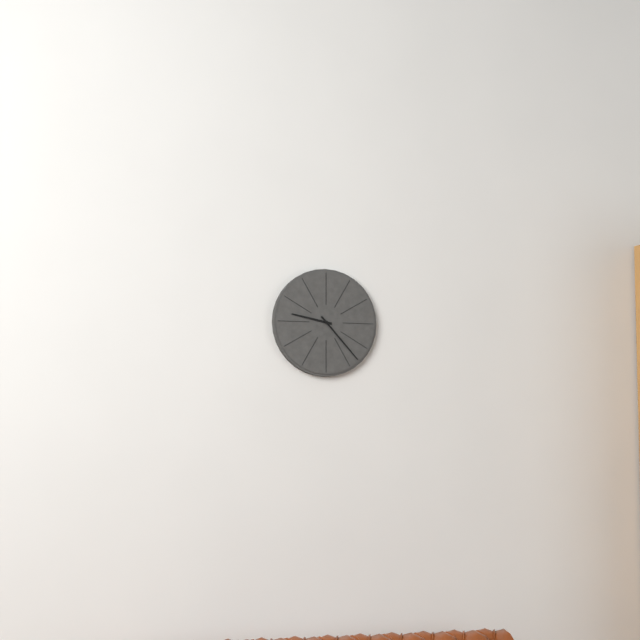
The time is h=9 m=23
